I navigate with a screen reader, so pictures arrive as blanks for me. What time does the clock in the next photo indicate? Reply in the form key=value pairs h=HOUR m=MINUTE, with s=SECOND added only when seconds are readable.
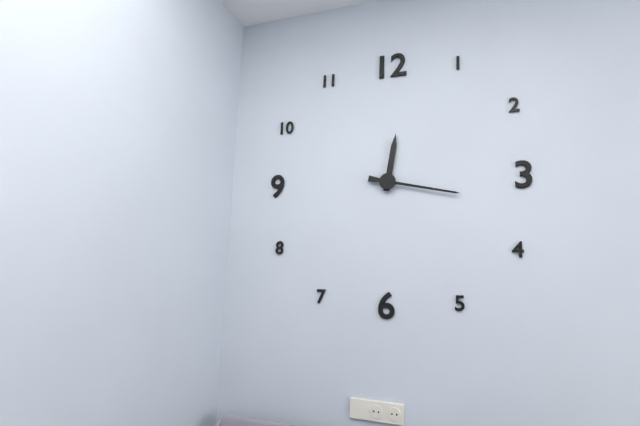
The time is h=12 m=17
